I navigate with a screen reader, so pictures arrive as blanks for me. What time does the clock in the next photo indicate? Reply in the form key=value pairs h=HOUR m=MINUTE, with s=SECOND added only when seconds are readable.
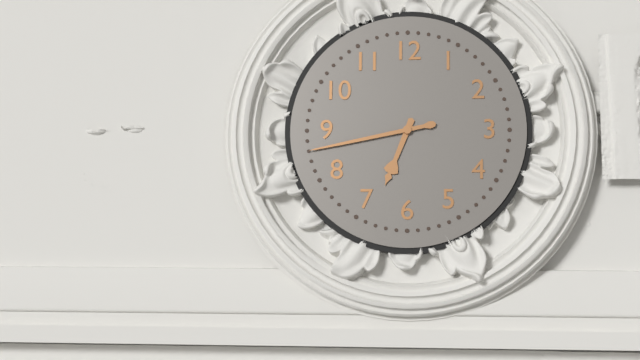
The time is h=6 m=43
